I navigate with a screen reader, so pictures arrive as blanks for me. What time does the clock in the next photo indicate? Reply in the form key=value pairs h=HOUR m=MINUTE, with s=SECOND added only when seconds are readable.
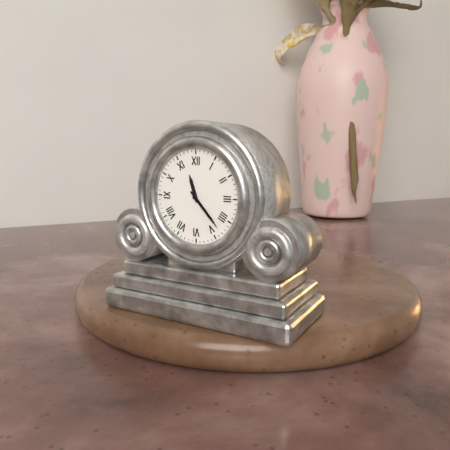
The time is h=11 m=23
